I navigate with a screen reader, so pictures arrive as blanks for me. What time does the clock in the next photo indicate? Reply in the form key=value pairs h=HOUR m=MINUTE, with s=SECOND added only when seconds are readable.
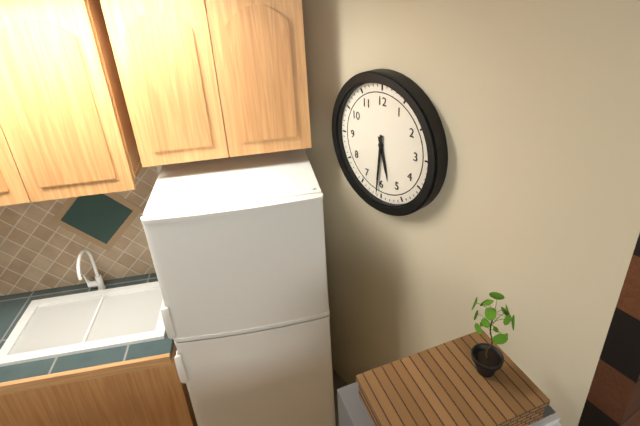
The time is h=5 m=31
